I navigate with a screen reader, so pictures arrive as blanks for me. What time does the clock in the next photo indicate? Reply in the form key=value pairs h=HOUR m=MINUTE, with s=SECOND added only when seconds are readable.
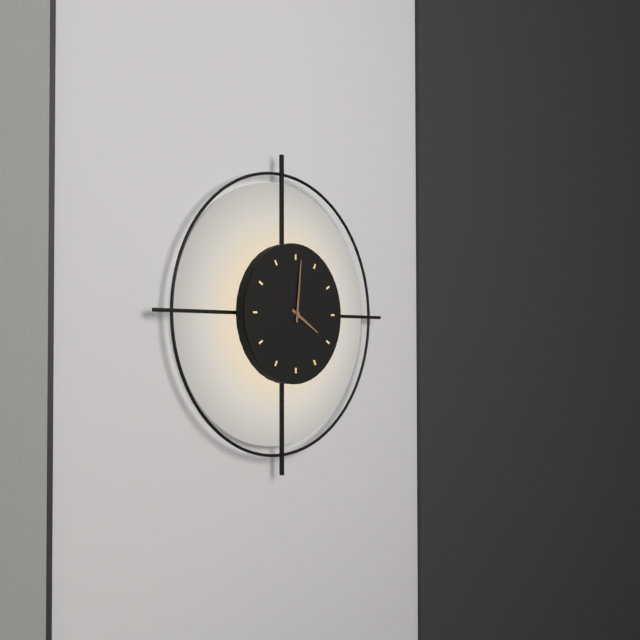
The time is h=4 m=1
